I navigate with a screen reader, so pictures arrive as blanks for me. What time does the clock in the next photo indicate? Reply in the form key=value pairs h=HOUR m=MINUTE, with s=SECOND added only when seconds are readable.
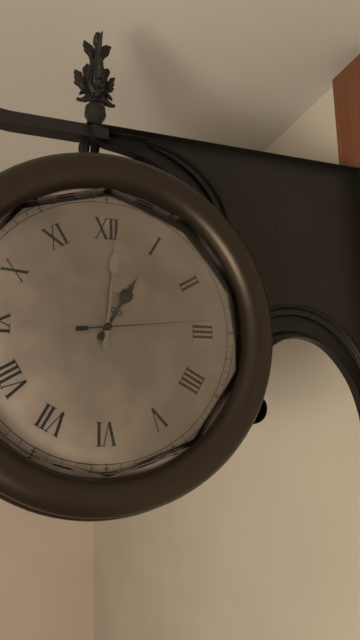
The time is h=1 m=1 s=14
